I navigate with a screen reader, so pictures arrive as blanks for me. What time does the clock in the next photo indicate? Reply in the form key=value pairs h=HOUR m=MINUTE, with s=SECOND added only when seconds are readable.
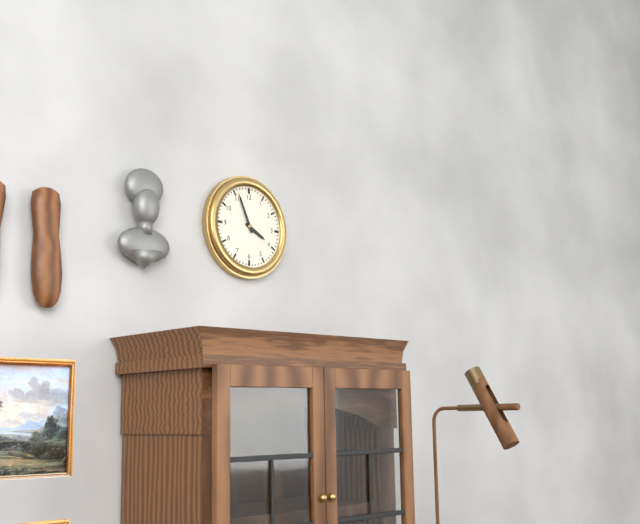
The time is h=3 m=56
